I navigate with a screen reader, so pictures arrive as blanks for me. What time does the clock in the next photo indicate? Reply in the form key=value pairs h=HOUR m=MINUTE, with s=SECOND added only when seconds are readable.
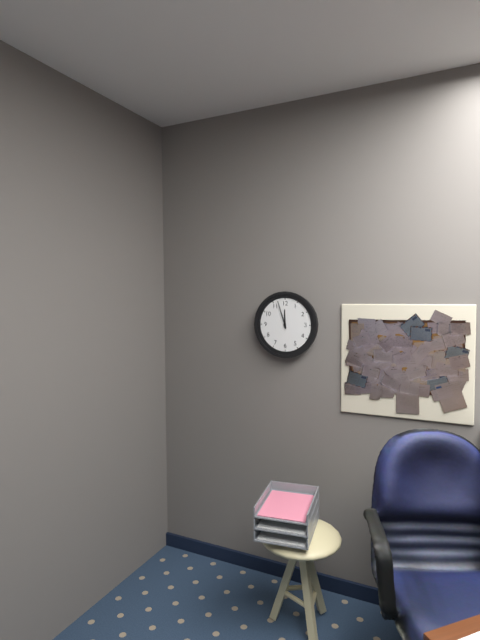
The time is h=11 m=57
